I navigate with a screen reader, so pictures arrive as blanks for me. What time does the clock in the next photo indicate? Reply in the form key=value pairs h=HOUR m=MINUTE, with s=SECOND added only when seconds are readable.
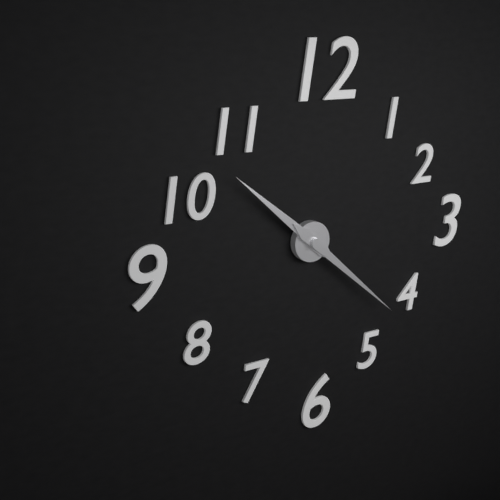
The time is h=10 m=22
